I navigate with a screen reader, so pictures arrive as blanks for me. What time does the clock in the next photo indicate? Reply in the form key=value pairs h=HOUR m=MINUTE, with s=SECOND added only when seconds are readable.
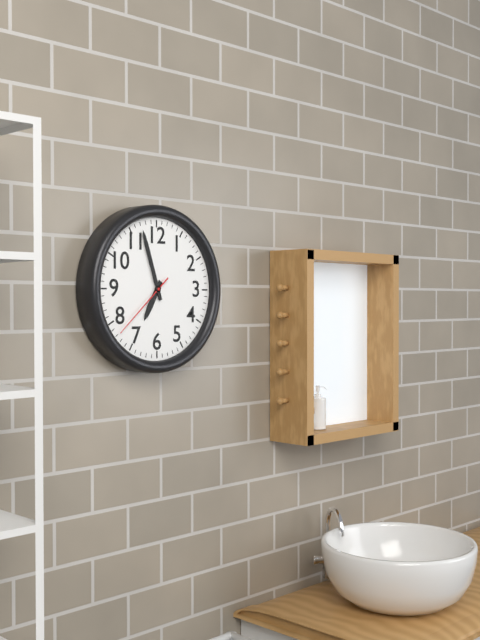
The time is h=6 m=57 s=38
